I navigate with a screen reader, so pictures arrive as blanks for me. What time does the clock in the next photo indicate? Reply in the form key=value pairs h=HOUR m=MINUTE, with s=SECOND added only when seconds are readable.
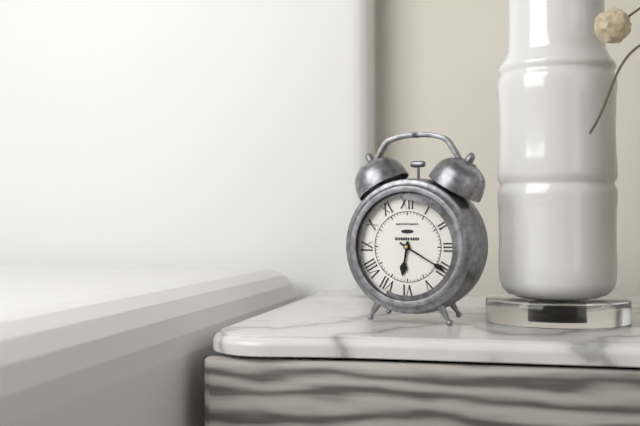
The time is h=6 m=20
